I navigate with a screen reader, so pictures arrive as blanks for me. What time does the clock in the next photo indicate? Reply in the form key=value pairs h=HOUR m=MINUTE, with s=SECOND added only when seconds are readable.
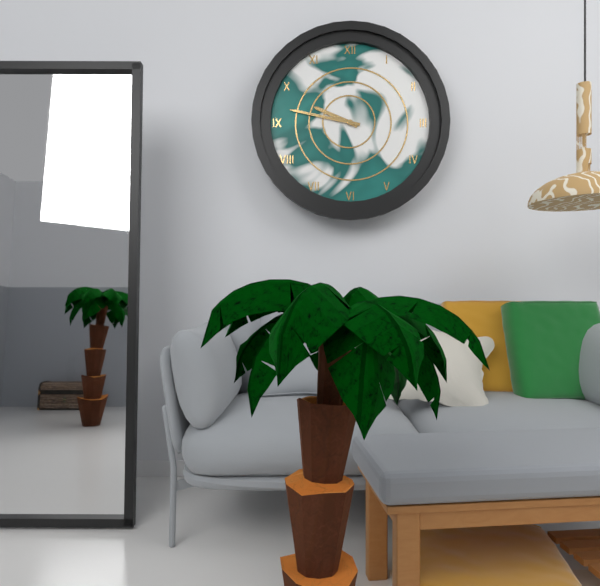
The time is h=9 m=47
